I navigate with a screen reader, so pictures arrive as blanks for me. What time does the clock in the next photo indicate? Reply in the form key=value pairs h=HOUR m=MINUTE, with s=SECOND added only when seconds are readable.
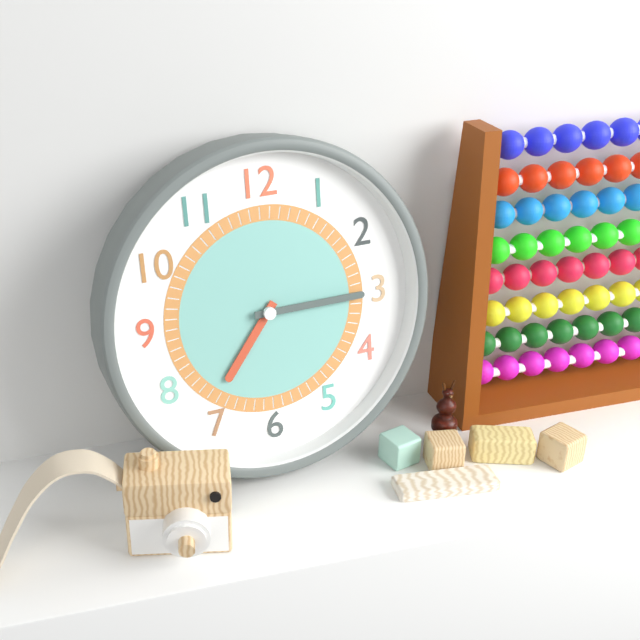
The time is h=7 m=15
